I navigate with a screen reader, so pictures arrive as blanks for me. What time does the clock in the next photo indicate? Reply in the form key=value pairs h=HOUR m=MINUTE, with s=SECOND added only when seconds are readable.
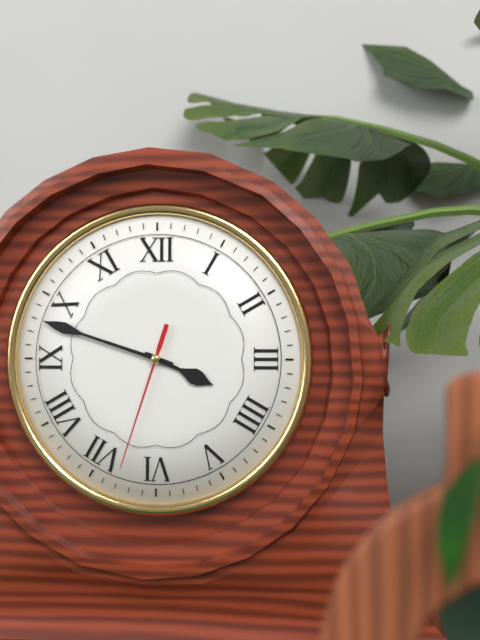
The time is h=3 m=48 s=33
